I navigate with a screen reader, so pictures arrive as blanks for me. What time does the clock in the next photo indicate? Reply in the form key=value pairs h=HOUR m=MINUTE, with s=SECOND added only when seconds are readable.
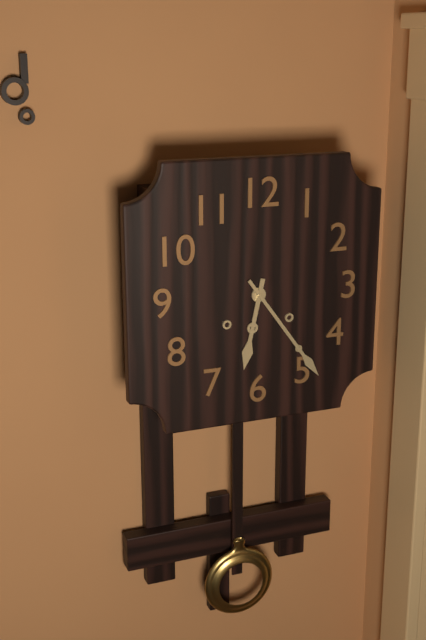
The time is h=6 m=24
